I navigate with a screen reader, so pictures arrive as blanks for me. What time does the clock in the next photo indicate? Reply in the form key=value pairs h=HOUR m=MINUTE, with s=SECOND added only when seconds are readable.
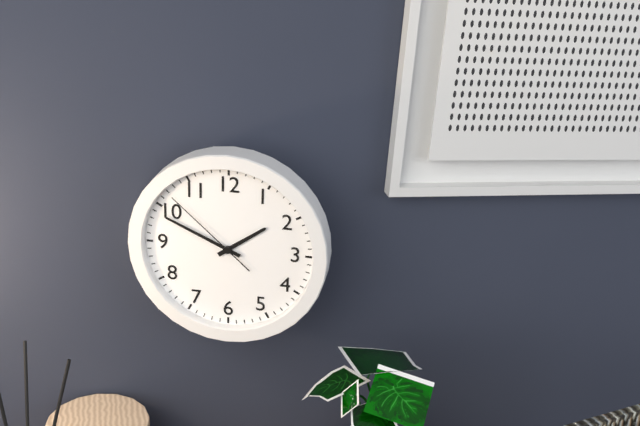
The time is h=1 m=49 s=52
